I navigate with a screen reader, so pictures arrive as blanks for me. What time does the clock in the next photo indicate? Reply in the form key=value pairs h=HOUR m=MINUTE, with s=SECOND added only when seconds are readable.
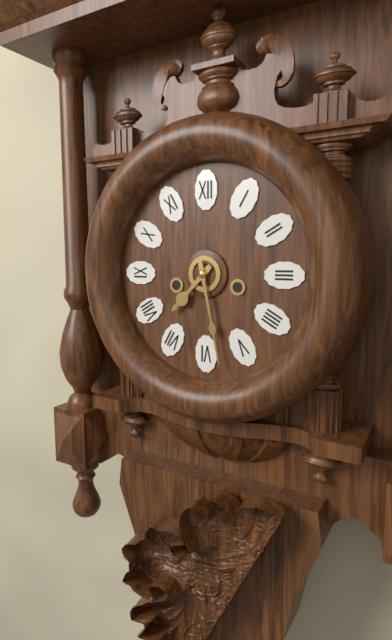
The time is h=7 m=28
